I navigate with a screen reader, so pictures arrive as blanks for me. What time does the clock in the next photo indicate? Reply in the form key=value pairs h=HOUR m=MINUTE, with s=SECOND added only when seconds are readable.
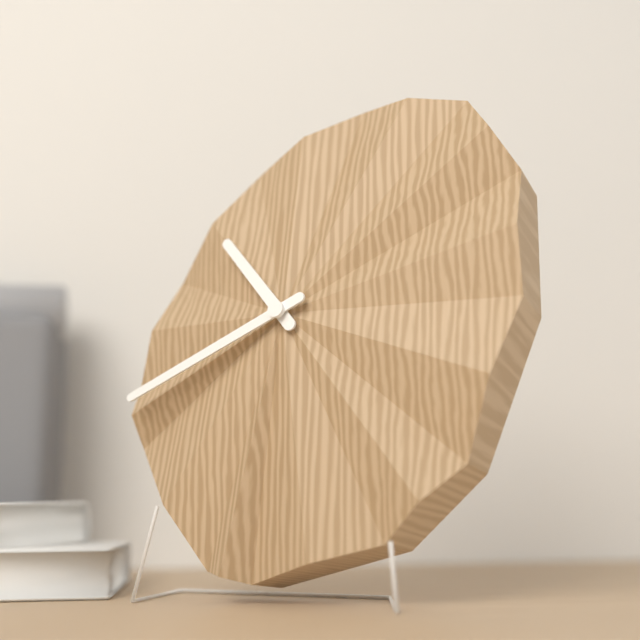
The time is h=10 m=41
